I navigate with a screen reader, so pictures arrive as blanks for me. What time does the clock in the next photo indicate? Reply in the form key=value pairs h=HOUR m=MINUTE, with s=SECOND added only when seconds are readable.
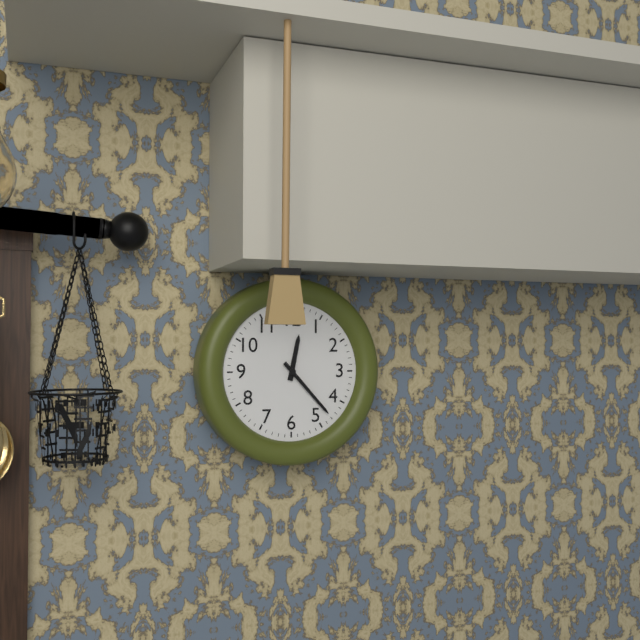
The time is h=12 m=23
